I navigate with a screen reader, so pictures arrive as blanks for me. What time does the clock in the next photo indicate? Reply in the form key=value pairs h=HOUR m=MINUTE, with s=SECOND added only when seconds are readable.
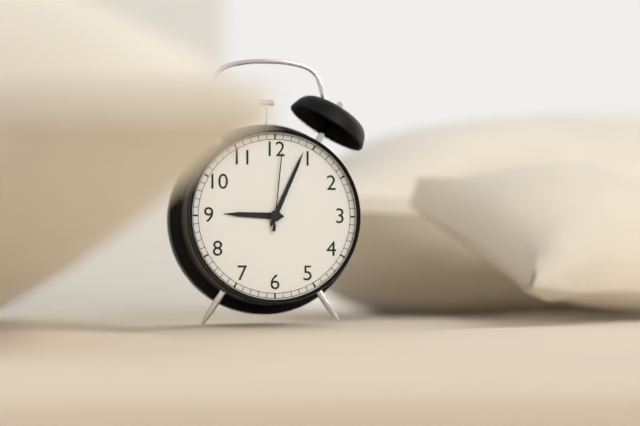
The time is h=9 m=4 s=1
